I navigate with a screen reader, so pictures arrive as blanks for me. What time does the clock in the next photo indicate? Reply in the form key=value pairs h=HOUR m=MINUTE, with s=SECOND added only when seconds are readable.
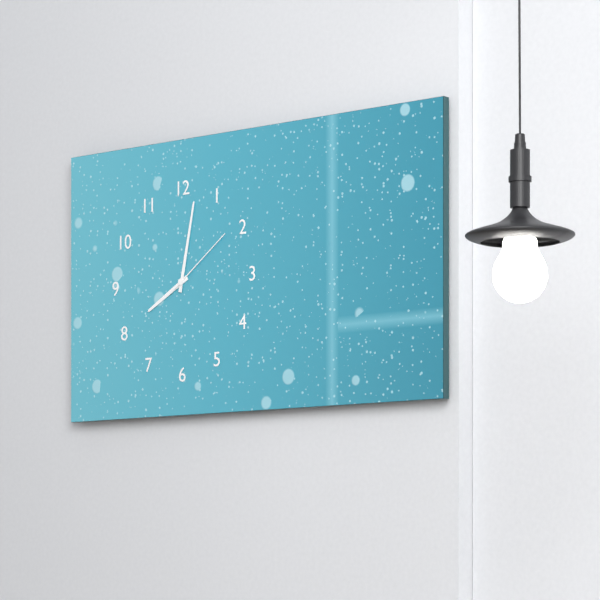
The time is h=8 m=2 s=9
